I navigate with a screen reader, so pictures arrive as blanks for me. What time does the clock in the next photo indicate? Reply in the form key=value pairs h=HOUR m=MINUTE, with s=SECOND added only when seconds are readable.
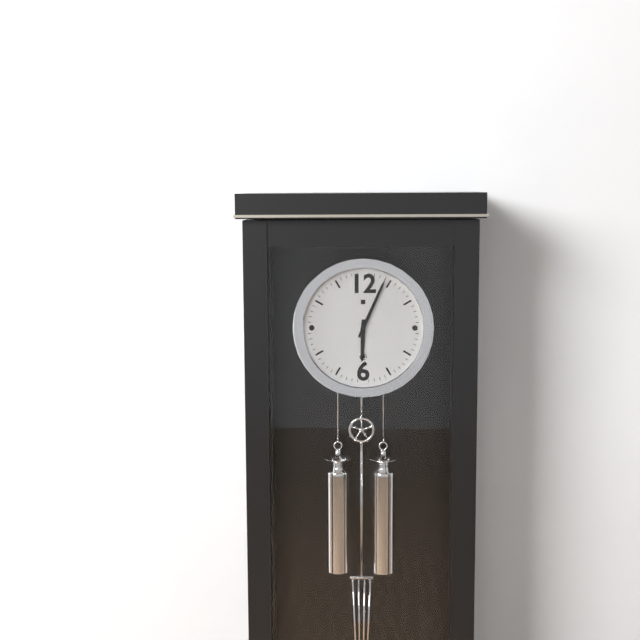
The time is h=6 m=4
